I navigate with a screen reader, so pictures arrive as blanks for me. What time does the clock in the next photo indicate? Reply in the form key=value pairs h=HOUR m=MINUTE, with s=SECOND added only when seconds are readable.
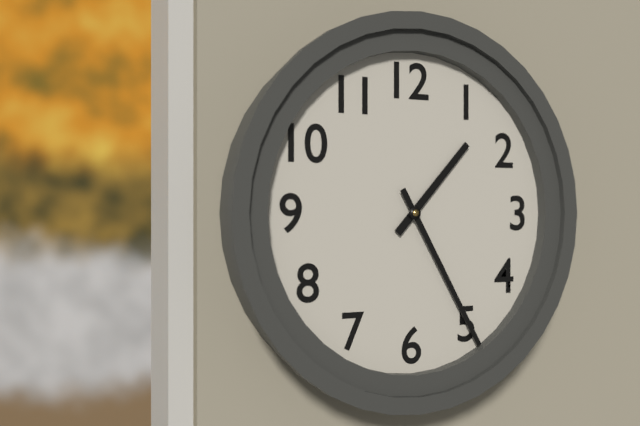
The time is h=1 m=25
